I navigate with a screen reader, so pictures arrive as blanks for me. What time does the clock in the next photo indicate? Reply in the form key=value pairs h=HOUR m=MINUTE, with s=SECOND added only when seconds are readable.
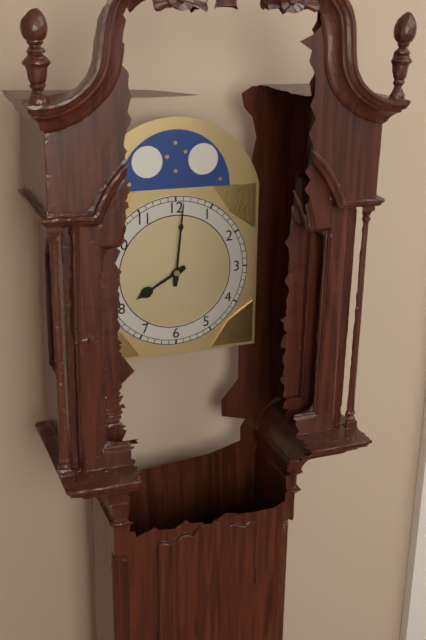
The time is h=8 m=1
